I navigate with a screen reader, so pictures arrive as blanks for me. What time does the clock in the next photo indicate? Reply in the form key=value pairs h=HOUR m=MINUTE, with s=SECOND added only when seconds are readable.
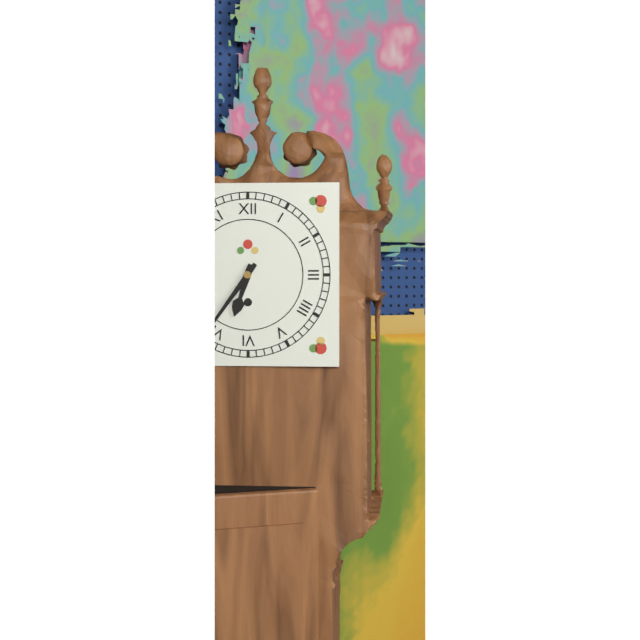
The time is h=6 m=36
